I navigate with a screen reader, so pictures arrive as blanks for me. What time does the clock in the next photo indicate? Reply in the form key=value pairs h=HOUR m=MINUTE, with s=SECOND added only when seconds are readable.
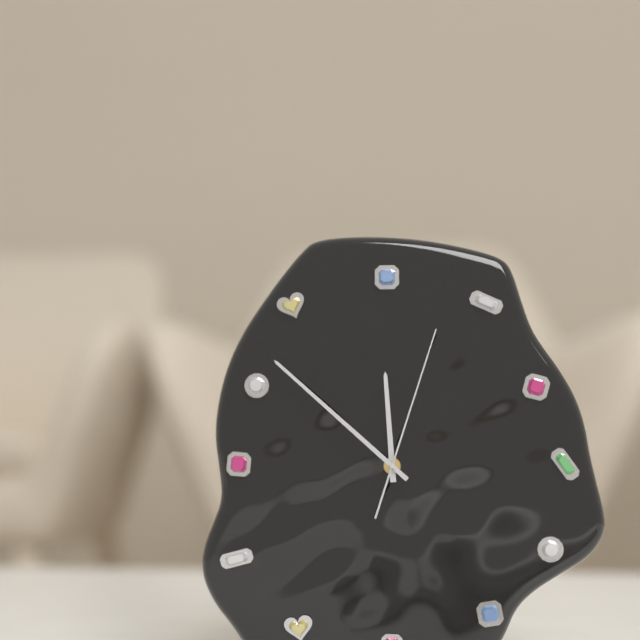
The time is h=11 m=52 s=3
